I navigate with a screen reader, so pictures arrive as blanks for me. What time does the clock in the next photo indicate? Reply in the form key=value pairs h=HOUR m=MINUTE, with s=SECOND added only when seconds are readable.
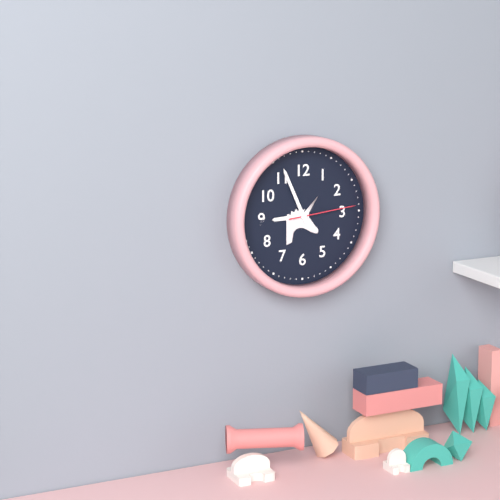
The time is h=8 m=56 s=14
